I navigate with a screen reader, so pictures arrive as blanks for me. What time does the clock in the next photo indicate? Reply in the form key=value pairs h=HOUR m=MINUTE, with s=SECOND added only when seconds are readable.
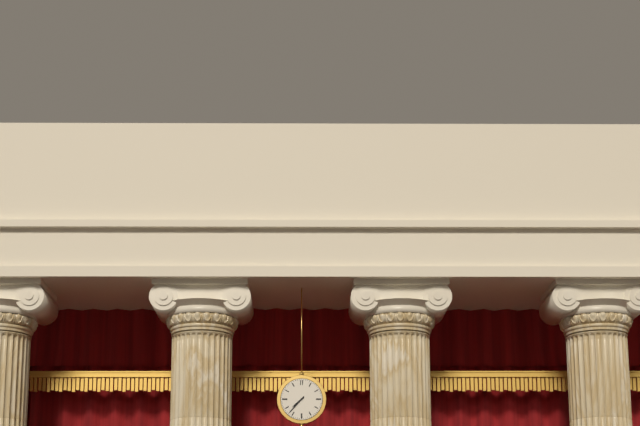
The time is h=7 m=37
